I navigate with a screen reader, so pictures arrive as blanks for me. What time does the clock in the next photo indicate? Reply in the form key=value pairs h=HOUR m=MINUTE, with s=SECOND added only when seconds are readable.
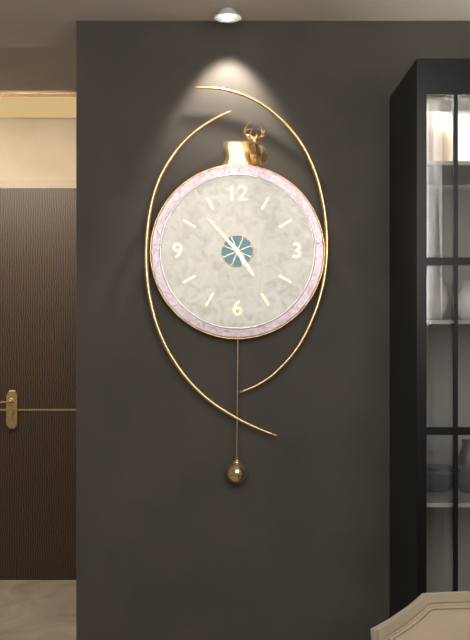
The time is h=4 m=53
